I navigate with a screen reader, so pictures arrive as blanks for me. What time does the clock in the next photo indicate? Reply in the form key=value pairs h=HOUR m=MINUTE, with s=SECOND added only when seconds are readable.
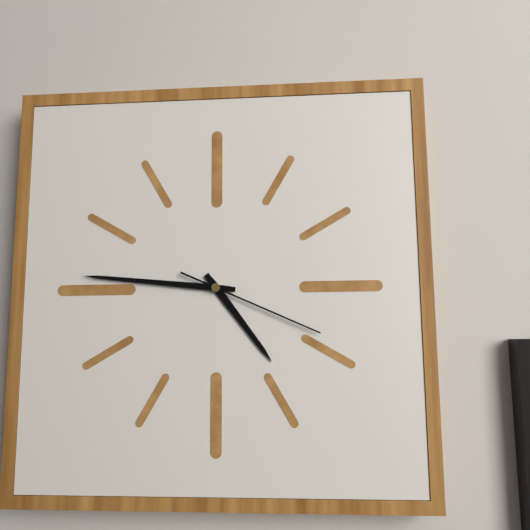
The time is h=4 m=46 s=19
